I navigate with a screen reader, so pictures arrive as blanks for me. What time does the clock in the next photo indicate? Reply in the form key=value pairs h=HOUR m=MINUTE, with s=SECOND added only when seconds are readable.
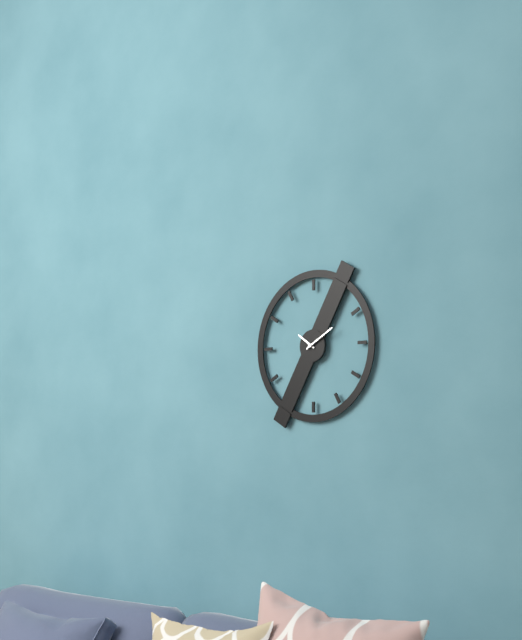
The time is h=10 m=10
